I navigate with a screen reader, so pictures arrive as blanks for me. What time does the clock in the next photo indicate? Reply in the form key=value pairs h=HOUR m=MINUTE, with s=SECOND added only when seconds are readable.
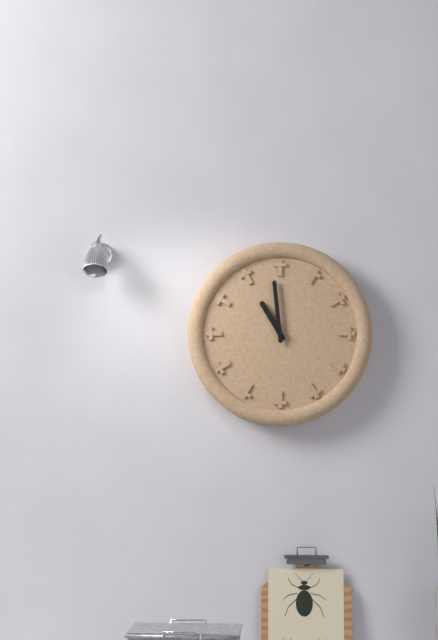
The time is h=10 m=59
